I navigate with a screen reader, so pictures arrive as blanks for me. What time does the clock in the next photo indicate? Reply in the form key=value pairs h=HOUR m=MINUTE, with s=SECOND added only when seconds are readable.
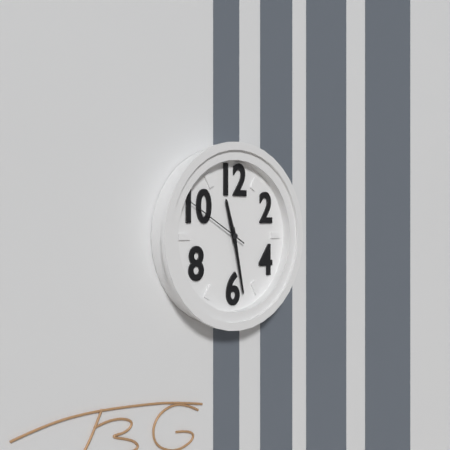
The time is h=11 m=28 s=50
